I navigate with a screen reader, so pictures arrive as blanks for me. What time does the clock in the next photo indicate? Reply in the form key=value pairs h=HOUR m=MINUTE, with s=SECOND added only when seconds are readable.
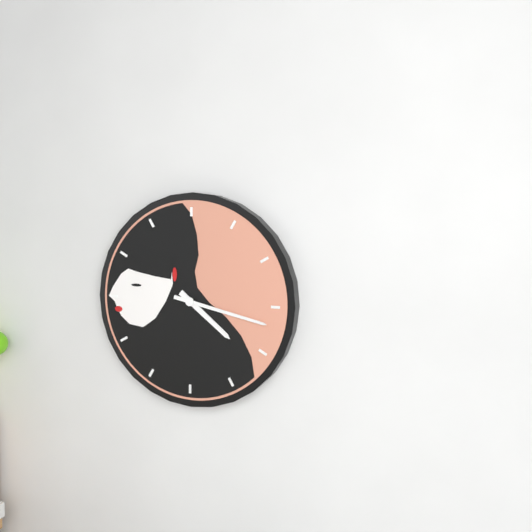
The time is h=4 m=17
